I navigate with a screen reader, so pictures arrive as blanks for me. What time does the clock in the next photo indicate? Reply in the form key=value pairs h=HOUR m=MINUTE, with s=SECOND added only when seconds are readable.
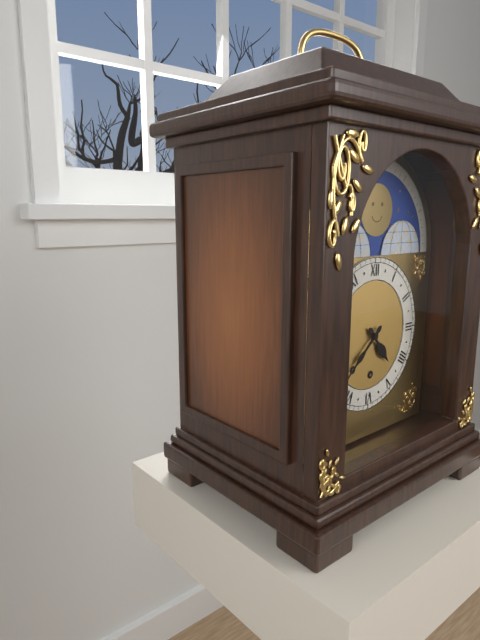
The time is h=4 m=38
